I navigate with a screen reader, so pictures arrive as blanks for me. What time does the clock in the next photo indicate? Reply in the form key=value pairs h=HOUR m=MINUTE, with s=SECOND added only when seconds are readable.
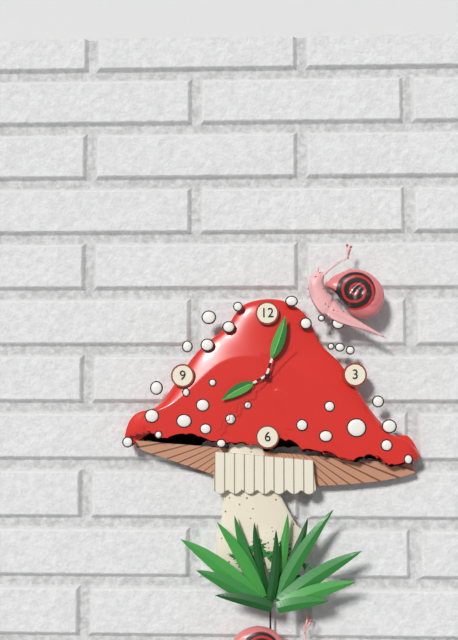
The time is h=8 m=3 s=37
